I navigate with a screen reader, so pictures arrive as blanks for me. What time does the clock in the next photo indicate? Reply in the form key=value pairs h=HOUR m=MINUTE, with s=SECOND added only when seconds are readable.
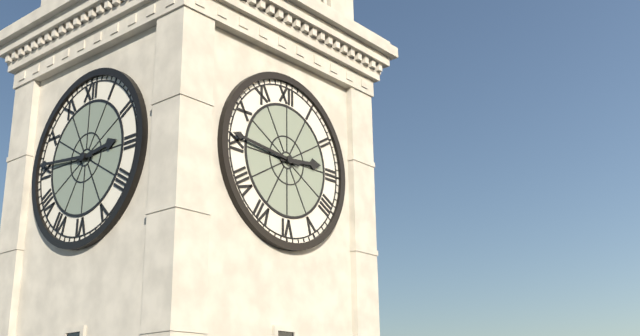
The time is h=2 m=46
